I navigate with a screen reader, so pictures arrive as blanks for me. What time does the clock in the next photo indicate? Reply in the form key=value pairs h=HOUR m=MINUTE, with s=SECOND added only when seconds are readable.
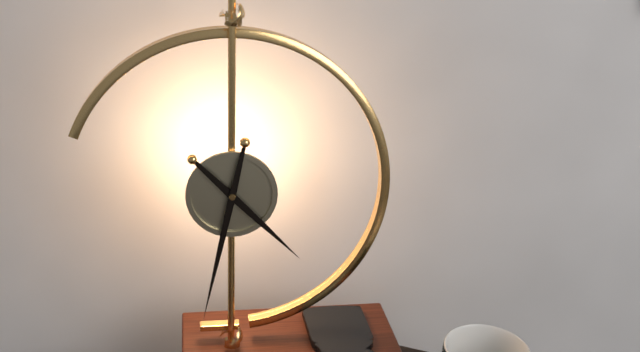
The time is h=4 m=32
